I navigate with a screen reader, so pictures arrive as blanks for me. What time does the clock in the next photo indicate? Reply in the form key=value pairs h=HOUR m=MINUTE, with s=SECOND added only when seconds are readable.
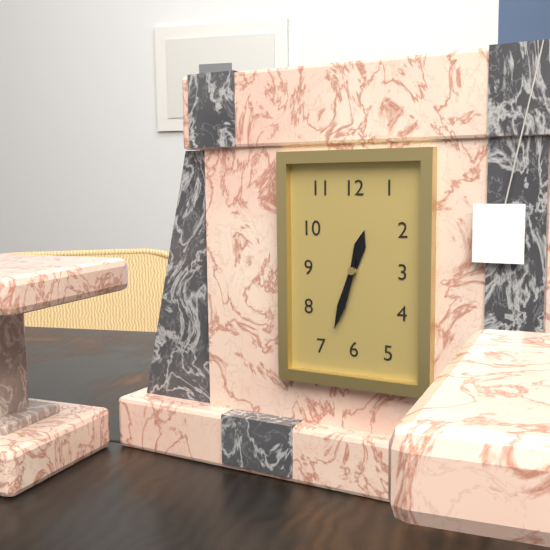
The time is h=12 m=33
